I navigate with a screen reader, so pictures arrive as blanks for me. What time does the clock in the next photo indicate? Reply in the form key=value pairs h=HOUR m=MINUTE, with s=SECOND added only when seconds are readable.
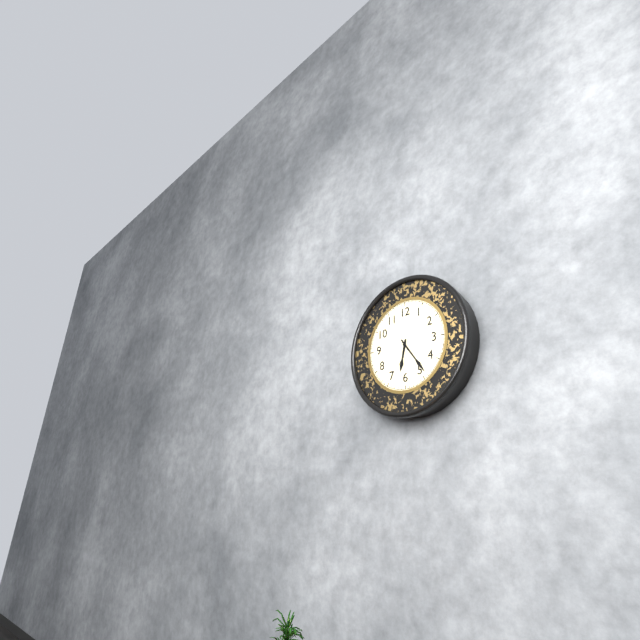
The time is h=6 m=24
